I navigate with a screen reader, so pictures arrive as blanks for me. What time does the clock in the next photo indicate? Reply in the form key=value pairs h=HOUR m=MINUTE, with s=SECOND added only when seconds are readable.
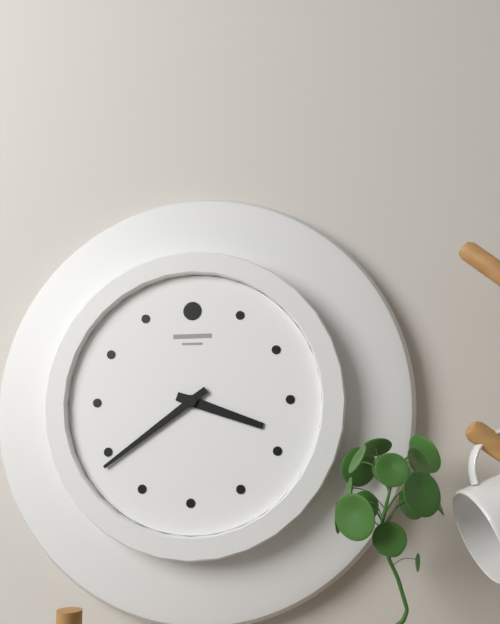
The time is h=3 m=39
